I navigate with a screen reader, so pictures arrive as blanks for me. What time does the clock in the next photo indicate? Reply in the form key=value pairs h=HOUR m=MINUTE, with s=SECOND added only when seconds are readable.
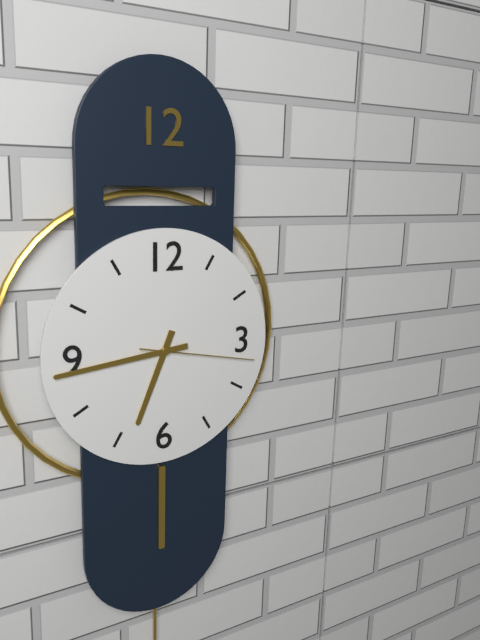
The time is h=6 m=44 s=17
